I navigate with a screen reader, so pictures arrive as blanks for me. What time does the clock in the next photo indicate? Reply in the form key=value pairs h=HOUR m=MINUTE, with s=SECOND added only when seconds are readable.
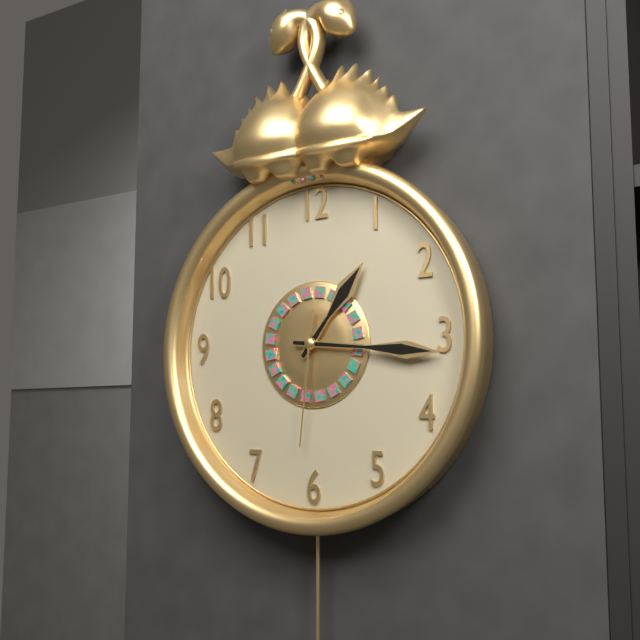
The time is h=1 m=16 s=31
